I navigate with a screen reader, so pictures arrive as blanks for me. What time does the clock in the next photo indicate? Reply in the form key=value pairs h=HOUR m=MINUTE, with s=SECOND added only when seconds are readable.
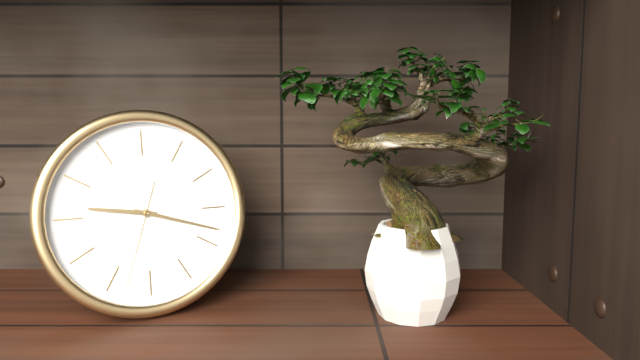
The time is h=9 m=18 s=33
